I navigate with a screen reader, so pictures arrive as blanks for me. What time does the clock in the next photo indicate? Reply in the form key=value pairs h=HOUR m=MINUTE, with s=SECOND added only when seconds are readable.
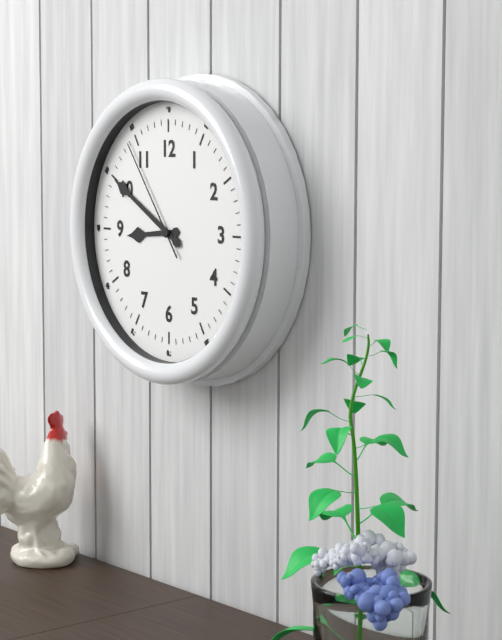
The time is h=8 m=50 s=54
